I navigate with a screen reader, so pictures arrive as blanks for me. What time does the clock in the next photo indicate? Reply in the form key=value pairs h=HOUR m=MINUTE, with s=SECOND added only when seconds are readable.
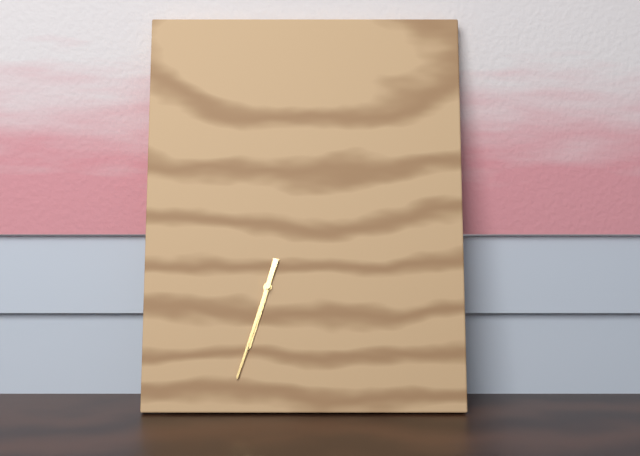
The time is h=6 m=33
